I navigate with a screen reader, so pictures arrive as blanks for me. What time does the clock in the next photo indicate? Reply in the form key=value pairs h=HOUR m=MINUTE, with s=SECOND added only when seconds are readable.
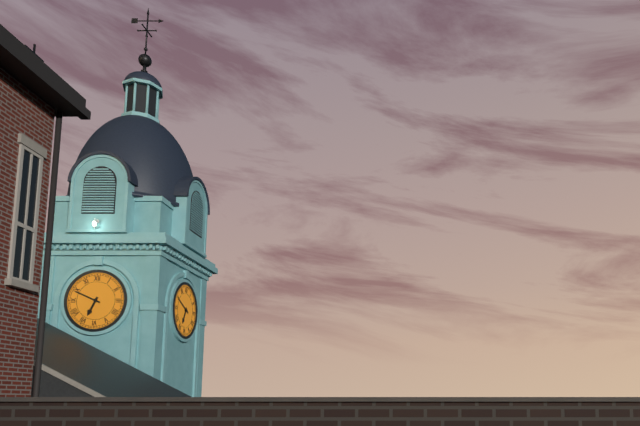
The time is h=6 m=49
